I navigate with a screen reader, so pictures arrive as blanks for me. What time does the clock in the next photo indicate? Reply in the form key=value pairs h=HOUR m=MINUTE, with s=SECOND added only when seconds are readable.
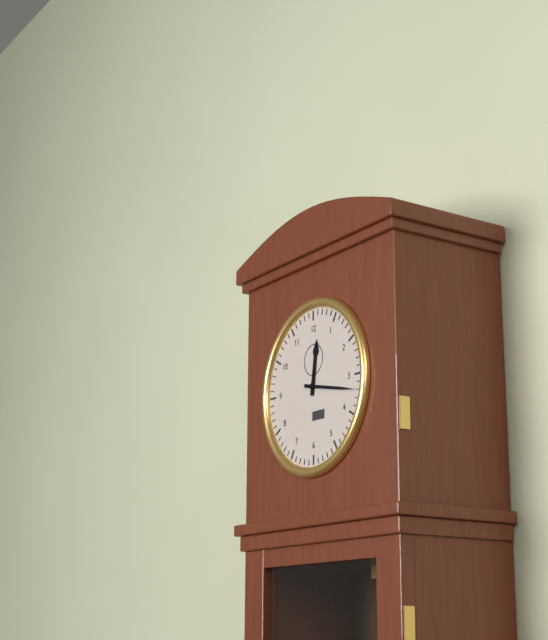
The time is h=12 m=17
